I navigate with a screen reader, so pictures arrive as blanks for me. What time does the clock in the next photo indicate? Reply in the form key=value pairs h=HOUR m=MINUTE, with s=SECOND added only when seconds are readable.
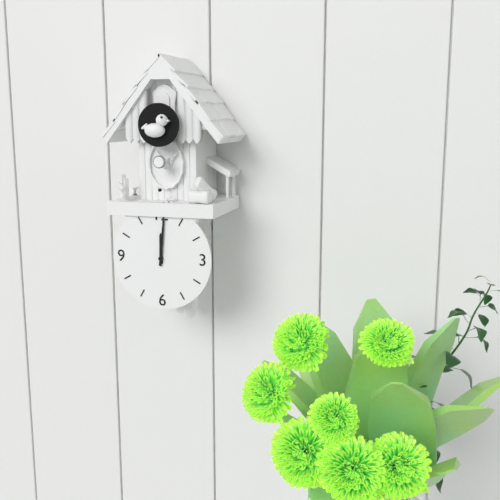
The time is h=12 m=1
